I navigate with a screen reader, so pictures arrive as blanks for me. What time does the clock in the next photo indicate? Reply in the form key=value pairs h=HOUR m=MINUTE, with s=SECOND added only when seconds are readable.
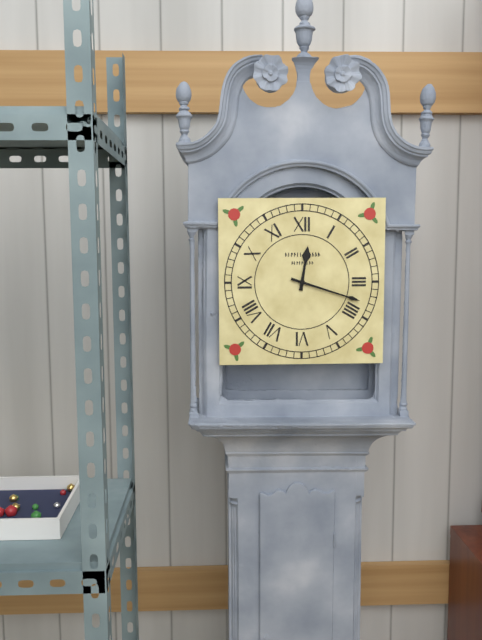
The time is h=12 m=18
